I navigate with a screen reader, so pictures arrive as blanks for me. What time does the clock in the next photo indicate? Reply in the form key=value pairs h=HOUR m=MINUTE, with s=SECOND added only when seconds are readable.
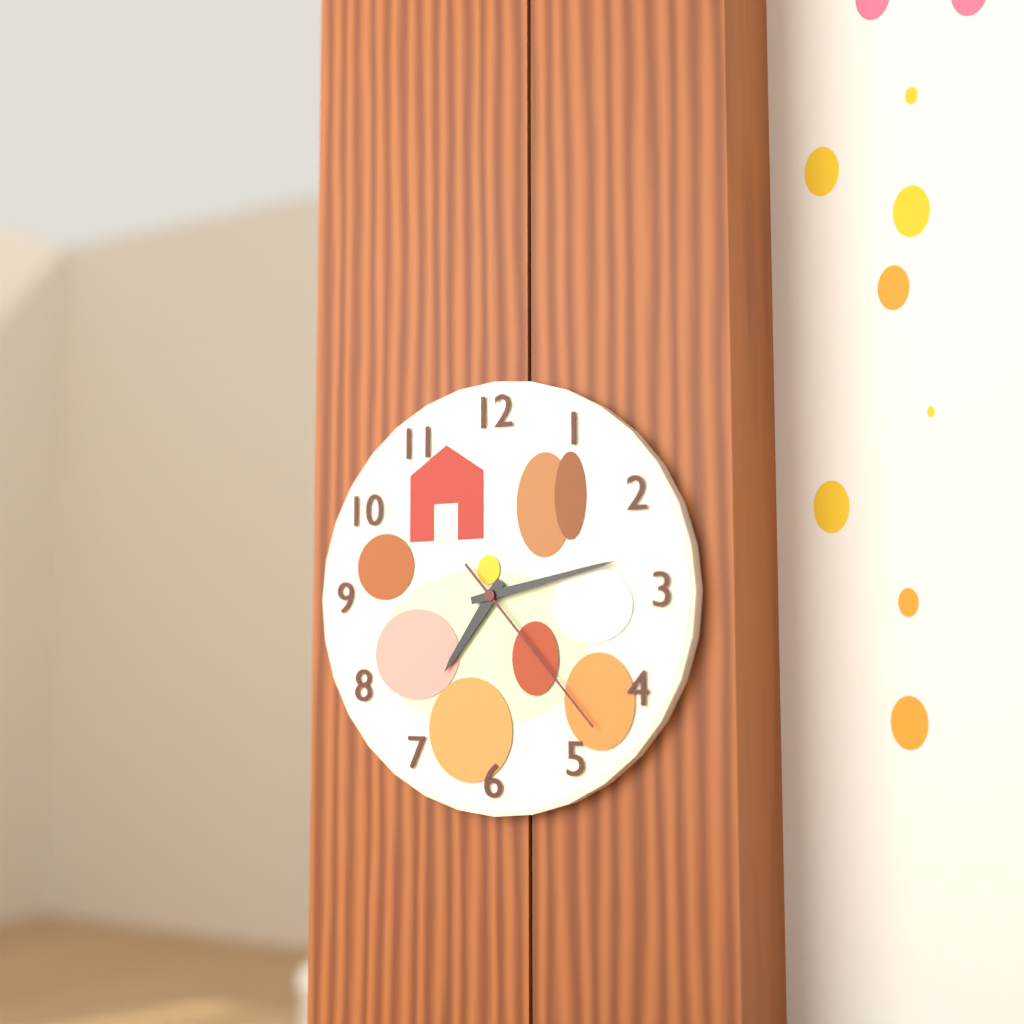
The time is h=7 m=13 s=23
